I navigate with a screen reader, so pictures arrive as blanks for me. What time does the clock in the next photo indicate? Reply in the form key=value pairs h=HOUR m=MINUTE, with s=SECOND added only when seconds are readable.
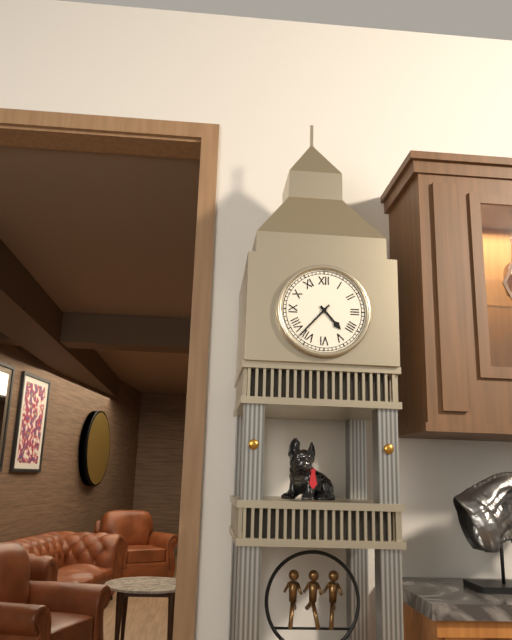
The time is h=4 m=37
